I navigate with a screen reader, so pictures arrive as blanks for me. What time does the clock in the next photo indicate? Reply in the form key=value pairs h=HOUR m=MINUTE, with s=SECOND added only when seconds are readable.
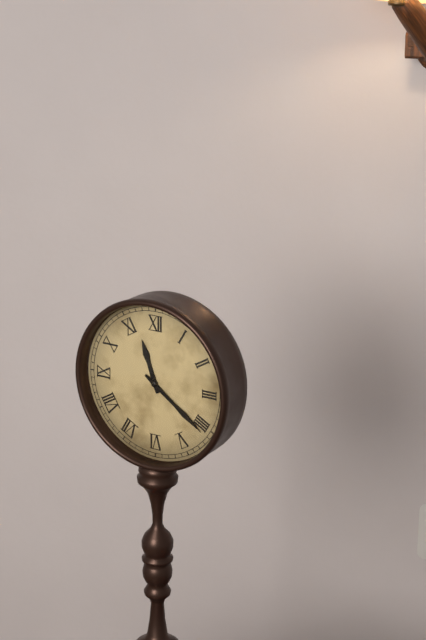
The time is h=11 m=21
